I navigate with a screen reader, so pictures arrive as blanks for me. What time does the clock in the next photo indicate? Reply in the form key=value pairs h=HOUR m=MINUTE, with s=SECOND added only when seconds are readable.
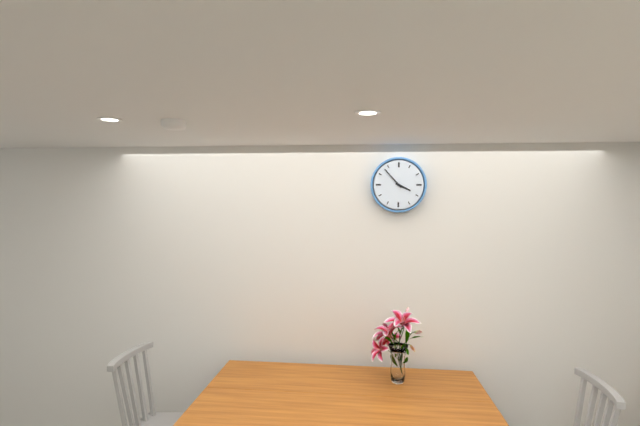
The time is h=3 m=53
